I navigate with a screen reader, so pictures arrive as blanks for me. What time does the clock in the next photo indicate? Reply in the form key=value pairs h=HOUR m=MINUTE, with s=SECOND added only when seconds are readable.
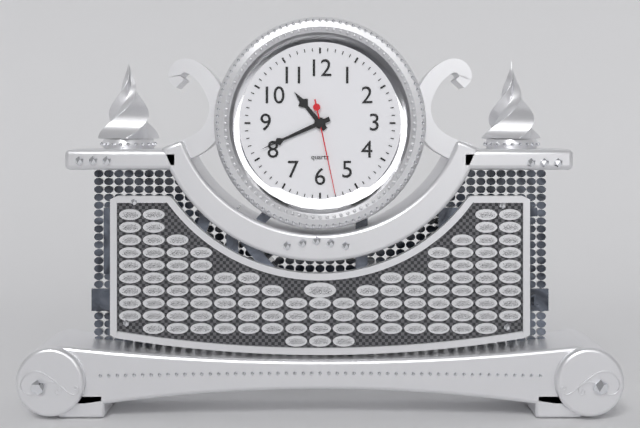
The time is h=10 m=41 s=28
